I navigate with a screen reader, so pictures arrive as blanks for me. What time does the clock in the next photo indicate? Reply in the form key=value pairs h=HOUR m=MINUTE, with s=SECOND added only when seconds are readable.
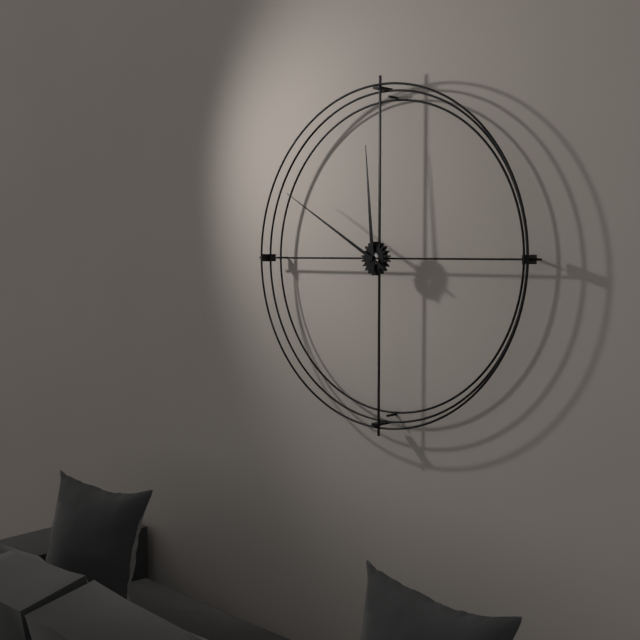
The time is h=11 m=50
